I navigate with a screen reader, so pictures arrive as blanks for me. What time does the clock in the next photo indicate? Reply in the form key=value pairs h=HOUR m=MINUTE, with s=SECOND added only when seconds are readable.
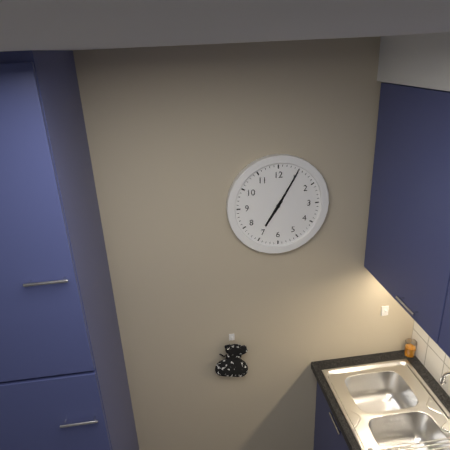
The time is h=7 m=5
